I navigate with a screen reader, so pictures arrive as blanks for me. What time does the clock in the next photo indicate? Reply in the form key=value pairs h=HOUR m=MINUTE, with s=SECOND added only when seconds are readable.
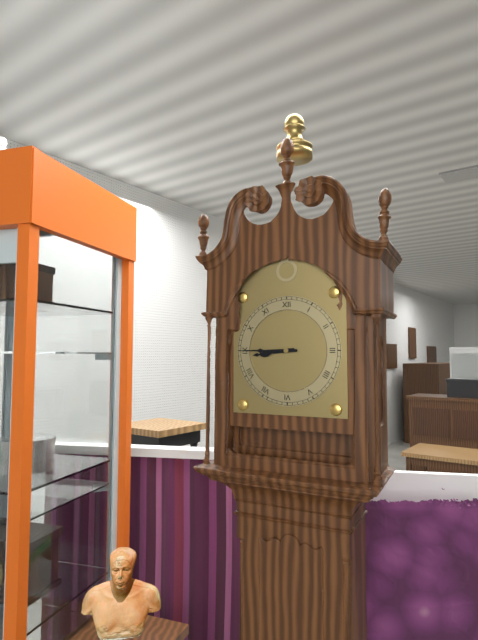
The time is h=8 m=45
